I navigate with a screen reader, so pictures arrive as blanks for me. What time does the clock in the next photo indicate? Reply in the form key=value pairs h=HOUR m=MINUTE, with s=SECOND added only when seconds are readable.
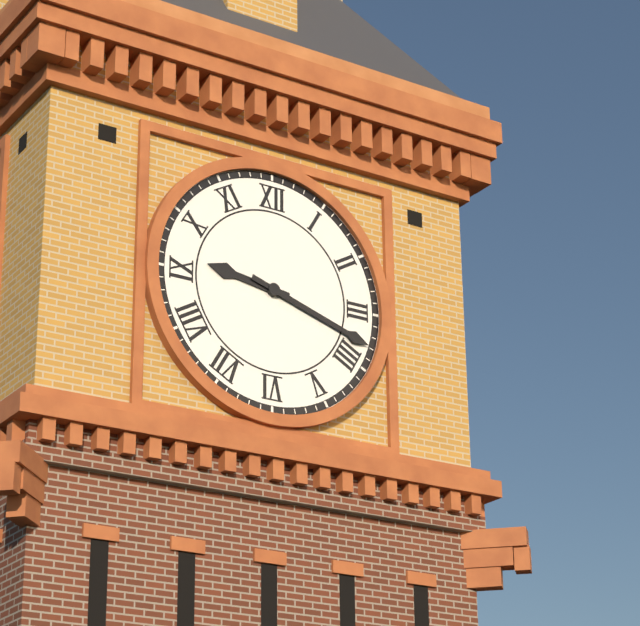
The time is h=9 m=18
